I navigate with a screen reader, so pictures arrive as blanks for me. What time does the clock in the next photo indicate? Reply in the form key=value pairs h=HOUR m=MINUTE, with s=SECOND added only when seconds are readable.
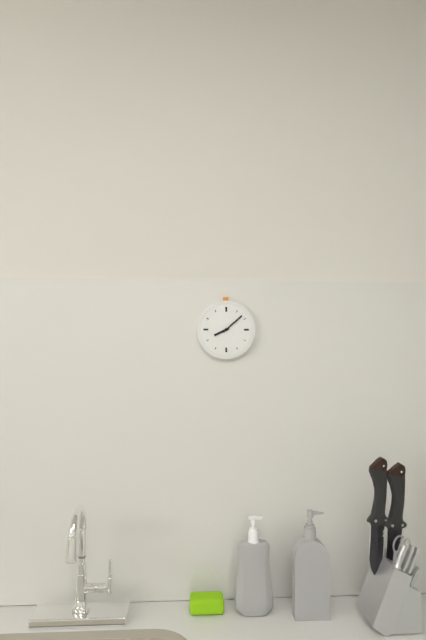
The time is h=8 m=8
